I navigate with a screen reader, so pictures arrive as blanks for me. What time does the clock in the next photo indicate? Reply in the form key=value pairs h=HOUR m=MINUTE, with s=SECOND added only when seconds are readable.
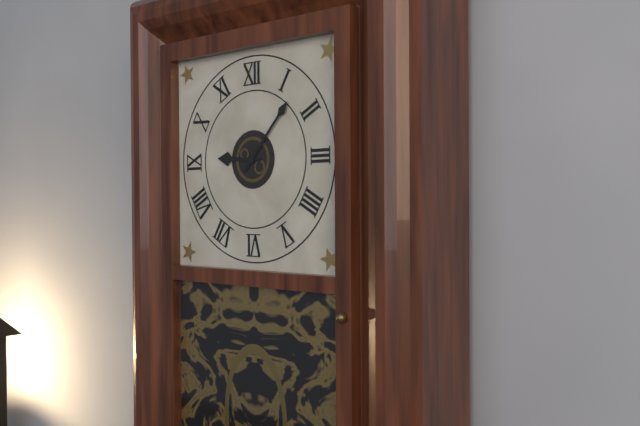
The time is h=9 m=7
